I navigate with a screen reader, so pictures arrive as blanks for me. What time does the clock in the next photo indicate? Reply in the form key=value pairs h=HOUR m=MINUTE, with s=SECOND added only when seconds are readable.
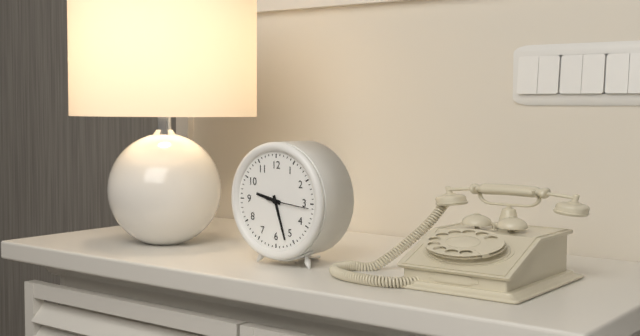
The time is h=9 m=27
